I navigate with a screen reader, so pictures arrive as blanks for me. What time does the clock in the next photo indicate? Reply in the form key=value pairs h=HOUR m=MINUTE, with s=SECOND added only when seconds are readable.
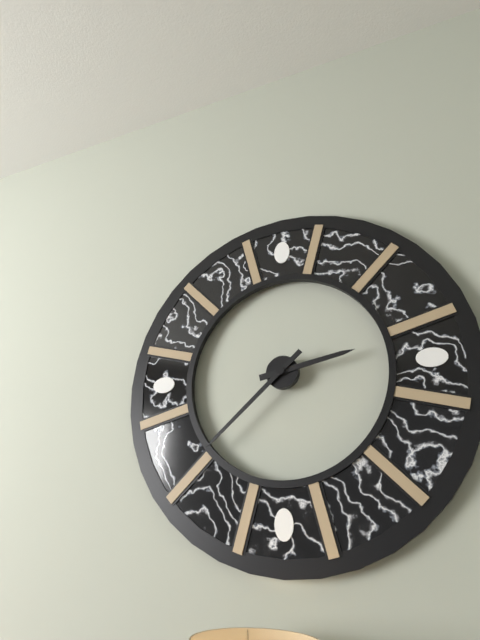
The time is h=2 m=38
